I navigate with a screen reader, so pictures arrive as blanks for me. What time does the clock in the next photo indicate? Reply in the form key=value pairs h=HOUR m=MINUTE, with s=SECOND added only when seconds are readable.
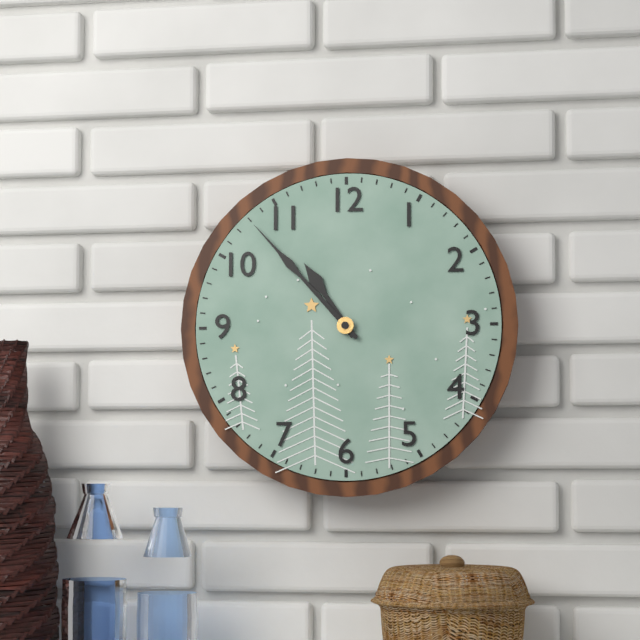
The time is h=10 m=53
